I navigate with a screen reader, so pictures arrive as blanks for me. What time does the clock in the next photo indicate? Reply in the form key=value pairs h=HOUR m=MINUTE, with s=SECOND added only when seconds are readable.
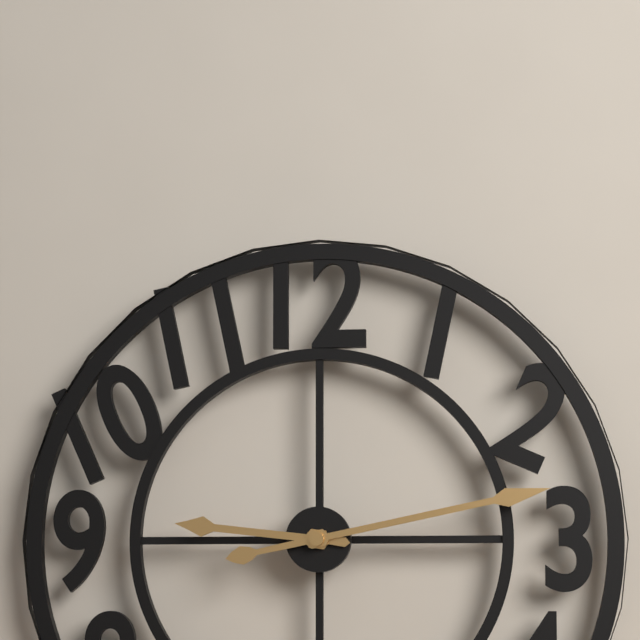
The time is h=9 m=13
